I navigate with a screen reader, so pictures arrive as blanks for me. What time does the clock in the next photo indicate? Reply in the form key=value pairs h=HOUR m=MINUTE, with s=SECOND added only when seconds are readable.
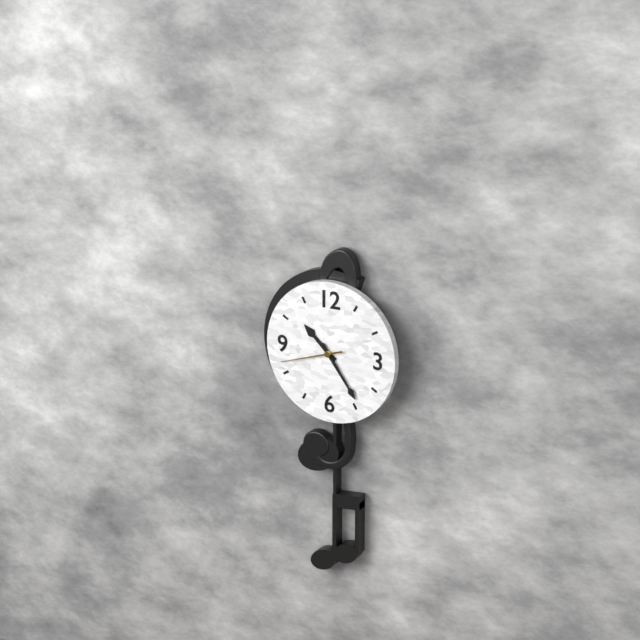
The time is h=10 m=24 s=42
